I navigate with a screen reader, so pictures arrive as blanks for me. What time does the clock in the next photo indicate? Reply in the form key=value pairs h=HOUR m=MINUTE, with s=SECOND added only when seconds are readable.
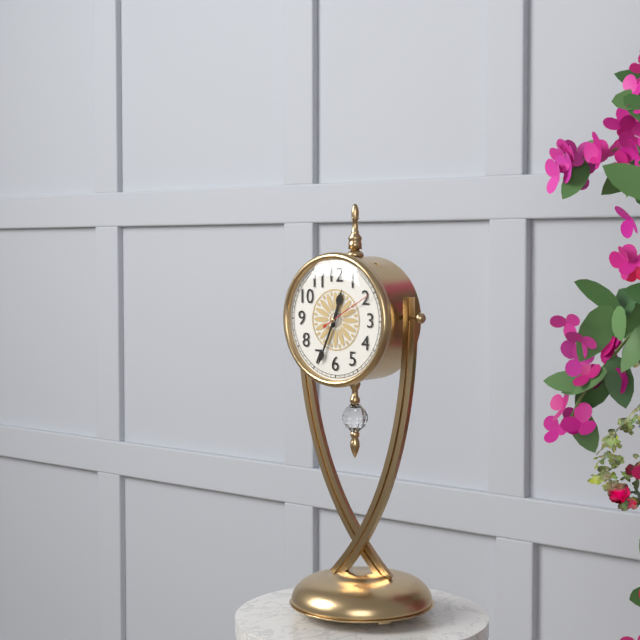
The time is h=12 m=34 s=10
